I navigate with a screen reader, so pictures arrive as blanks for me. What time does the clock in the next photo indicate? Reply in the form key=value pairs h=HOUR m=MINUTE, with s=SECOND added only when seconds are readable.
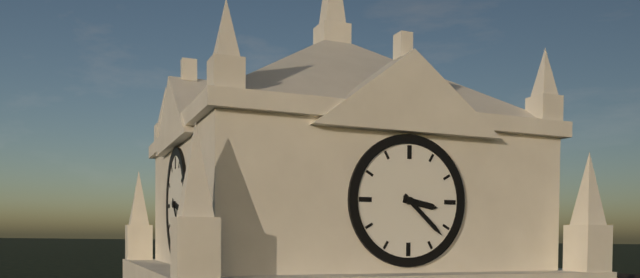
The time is h=3 m=22
